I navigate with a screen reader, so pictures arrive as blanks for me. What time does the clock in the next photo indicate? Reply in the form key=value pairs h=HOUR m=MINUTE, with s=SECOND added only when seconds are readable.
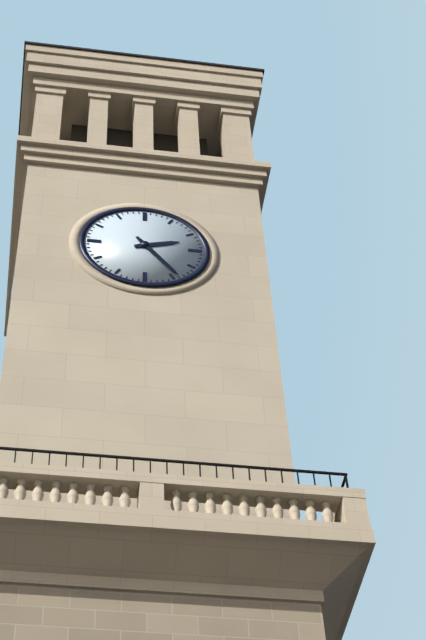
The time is h=2 m=24
